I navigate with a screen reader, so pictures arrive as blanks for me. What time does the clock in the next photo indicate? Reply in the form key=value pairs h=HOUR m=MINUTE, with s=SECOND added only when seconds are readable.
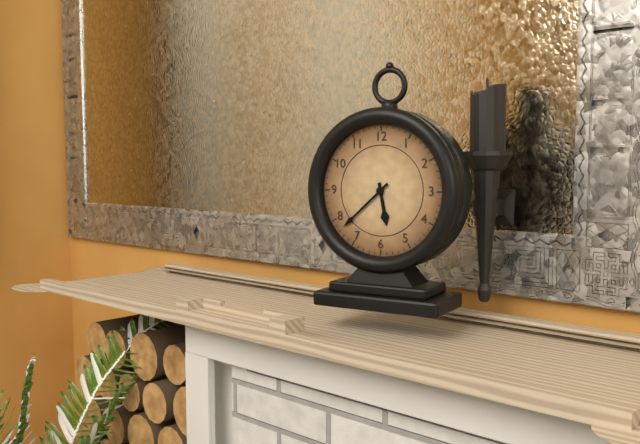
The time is h=5 m=38
